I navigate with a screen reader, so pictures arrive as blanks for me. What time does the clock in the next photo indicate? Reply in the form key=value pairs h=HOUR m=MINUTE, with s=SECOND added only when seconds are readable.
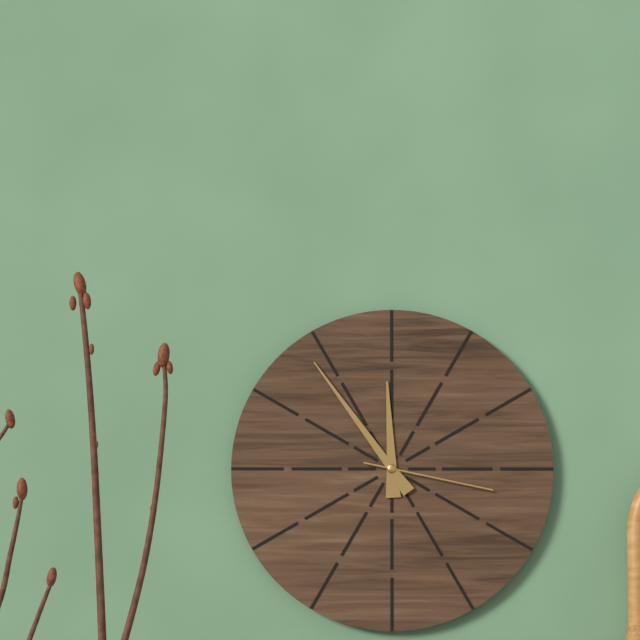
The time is h=11 m=54 s=17
